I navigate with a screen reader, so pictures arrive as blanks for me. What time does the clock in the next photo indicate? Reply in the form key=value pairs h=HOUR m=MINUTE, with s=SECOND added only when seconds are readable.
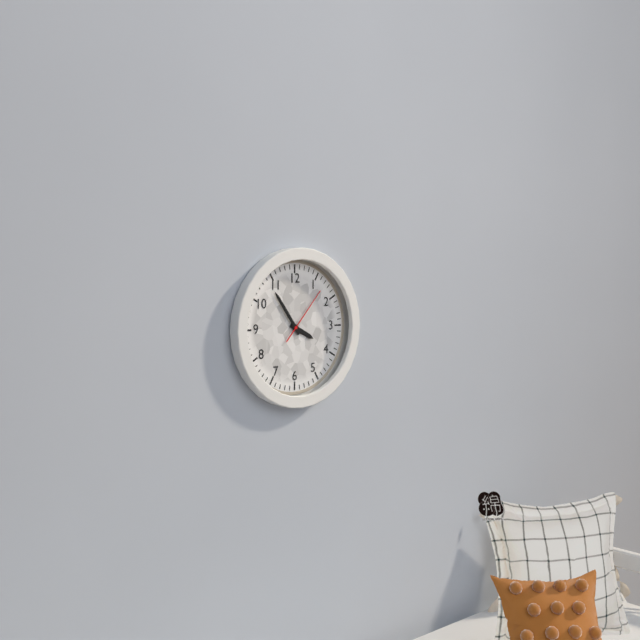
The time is h=3 m=54 s=7
